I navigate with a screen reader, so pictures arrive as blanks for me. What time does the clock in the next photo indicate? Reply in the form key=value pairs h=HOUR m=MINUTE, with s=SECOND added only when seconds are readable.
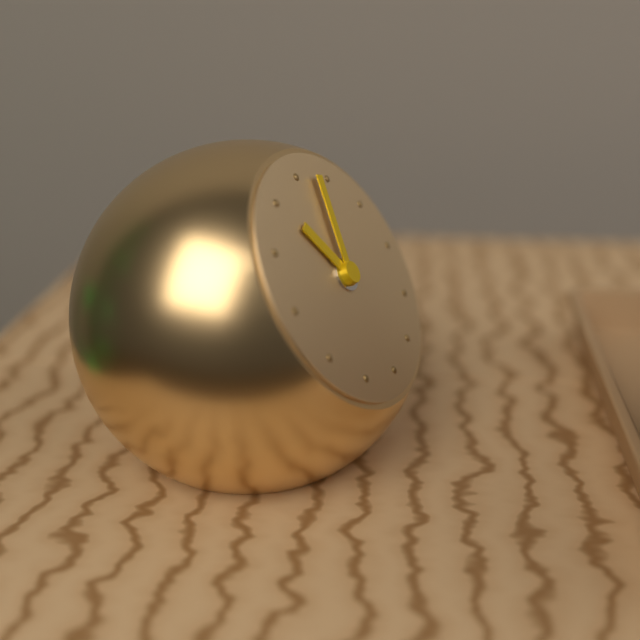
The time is h=11 m=3
